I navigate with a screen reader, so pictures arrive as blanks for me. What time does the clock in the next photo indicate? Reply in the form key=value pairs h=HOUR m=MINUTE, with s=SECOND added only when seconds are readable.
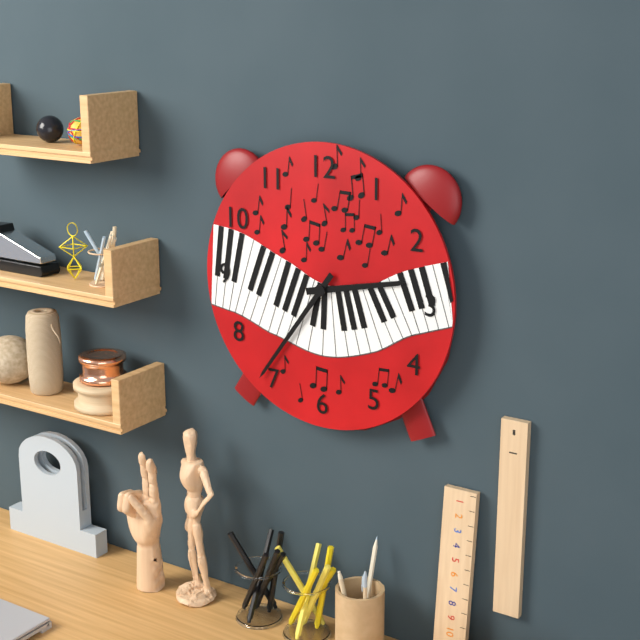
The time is h=2 m=36
